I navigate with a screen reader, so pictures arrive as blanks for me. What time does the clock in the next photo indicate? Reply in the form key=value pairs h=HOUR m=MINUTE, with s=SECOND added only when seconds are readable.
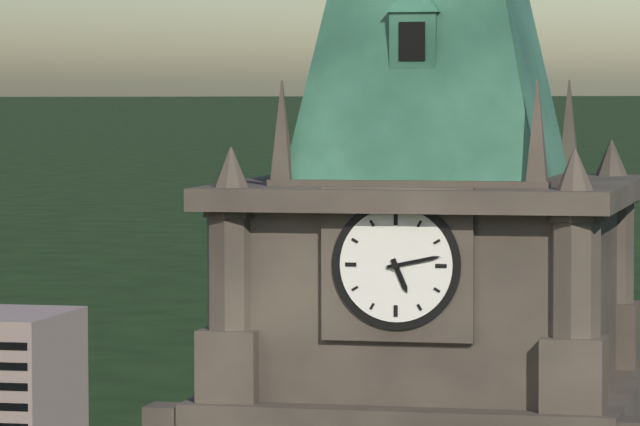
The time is h=5 m=13
